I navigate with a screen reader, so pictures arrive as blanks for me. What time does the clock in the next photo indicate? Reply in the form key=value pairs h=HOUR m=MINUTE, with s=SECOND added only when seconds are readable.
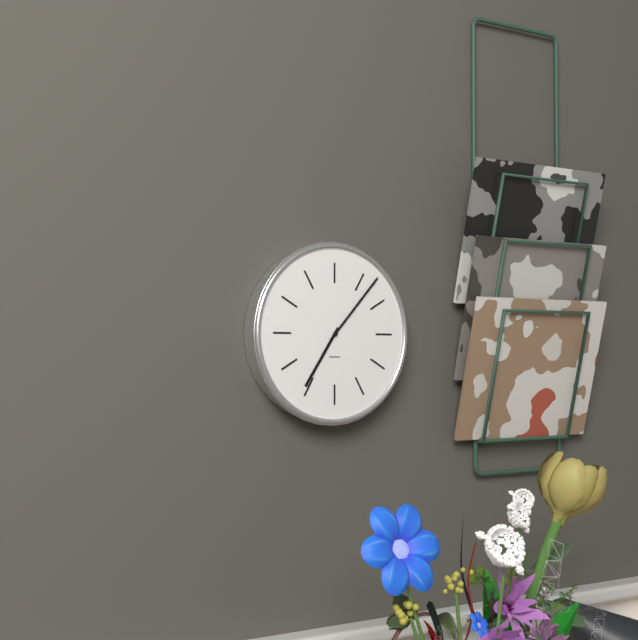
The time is h=7 m=7
